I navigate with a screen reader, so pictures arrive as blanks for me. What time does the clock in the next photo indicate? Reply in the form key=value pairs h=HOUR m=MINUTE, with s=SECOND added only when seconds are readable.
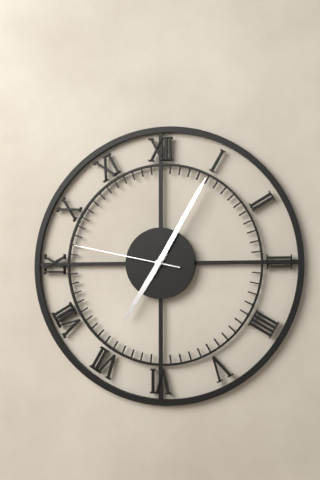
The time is h=7 m=5 s=47
